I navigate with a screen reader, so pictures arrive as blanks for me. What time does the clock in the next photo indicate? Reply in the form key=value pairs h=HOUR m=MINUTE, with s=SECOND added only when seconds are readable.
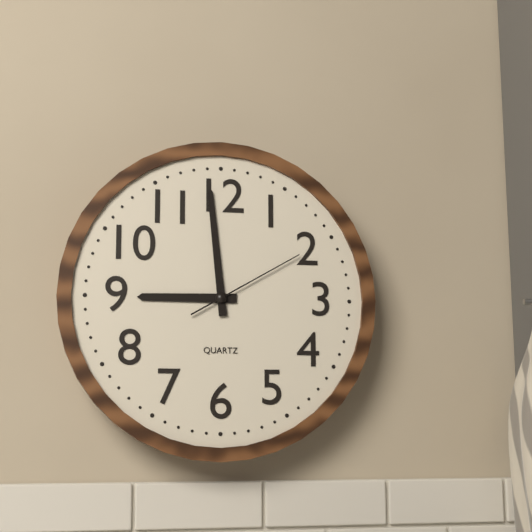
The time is h=8 m=59 s=10
